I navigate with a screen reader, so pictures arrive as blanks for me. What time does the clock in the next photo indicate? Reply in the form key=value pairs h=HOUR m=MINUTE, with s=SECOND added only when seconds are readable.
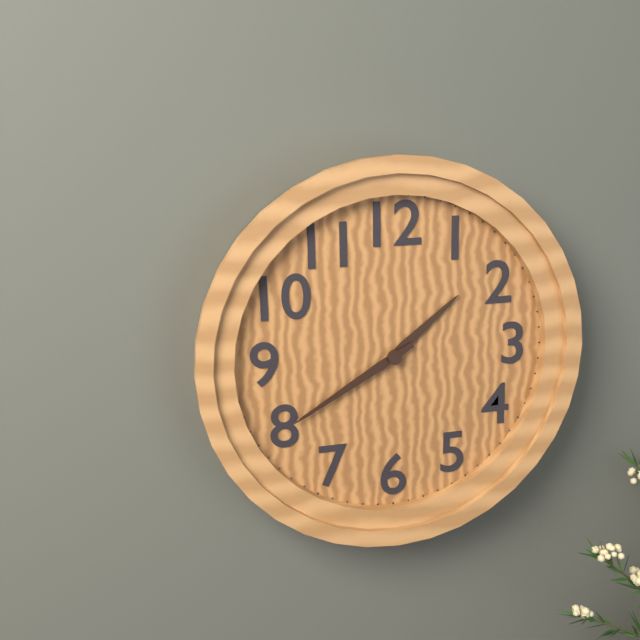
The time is h=1 m=40
